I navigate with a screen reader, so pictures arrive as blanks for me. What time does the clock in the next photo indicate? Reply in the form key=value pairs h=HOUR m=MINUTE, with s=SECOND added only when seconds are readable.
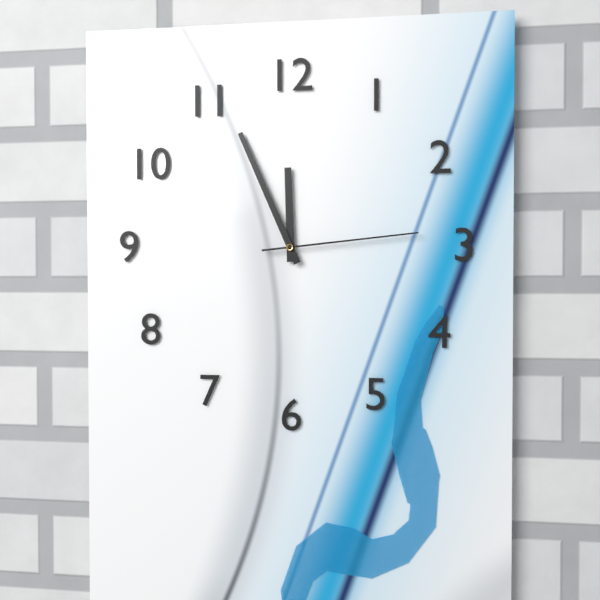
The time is h=11 m=56 s=14
